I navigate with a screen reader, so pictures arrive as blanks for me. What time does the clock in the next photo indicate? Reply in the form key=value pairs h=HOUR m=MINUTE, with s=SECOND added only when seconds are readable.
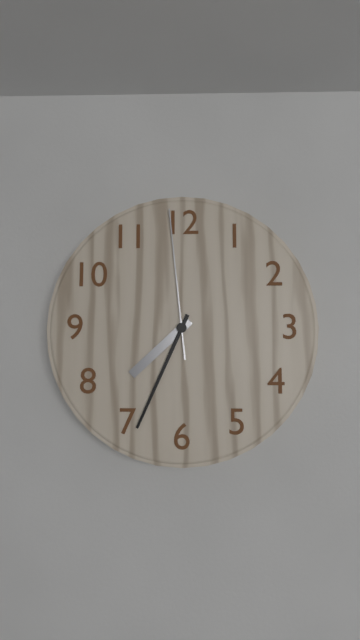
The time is h=7 m=34 s=59
